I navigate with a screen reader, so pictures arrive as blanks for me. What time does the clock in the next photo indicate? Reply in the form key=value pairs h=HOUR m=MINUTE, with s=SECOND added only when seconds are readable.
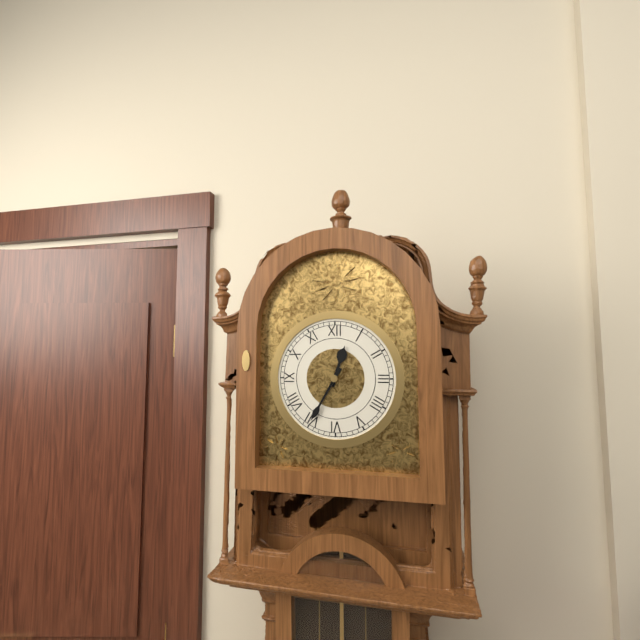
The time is h=12 m=35
